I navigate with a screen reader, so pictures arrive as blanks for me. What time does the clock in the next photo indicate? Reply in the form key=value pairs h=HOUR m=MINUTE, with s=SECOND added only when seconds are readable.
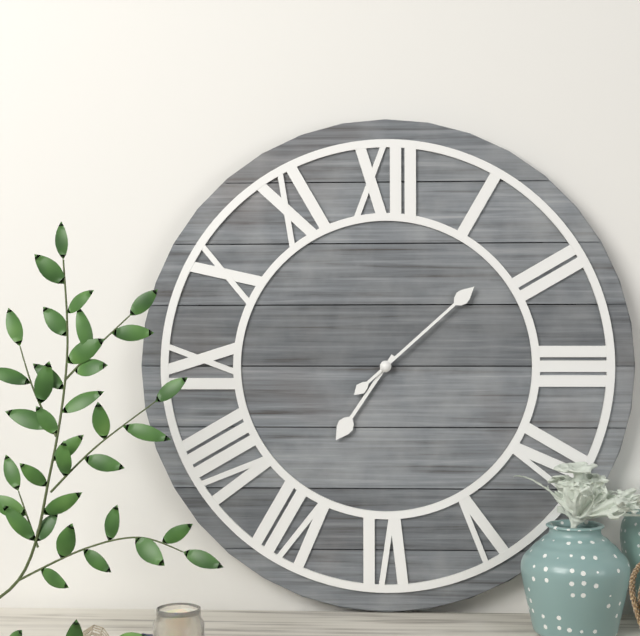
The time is h=7 m=8
